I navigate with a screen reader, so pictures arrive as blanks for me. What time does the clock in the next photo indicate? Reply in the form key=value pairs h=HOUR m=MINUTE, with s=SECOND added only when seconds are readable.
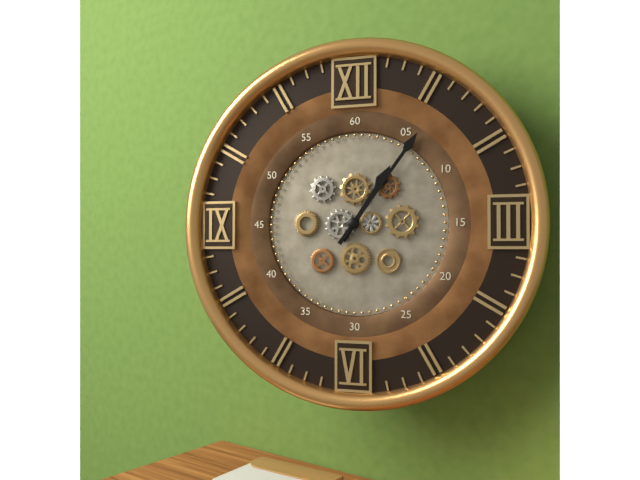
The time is h=1 m=6
